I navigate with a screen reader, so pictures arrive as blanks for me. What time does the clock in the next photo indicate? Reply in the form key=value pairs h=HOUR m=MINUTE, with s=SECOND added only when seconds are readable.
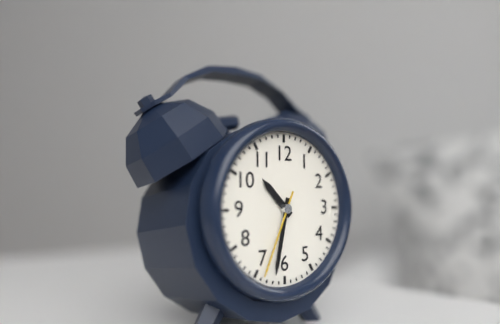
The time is h=10 m=32 s=34
